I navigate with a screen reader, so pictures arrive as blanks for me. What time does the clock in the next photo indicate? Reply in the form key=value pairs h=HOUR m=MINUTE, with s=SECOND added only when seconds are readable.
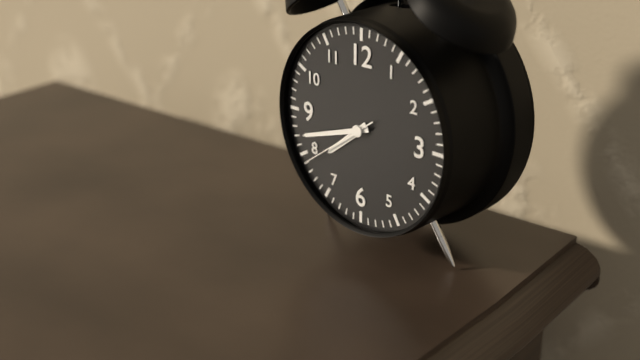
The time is h=7 m=42 s=39
